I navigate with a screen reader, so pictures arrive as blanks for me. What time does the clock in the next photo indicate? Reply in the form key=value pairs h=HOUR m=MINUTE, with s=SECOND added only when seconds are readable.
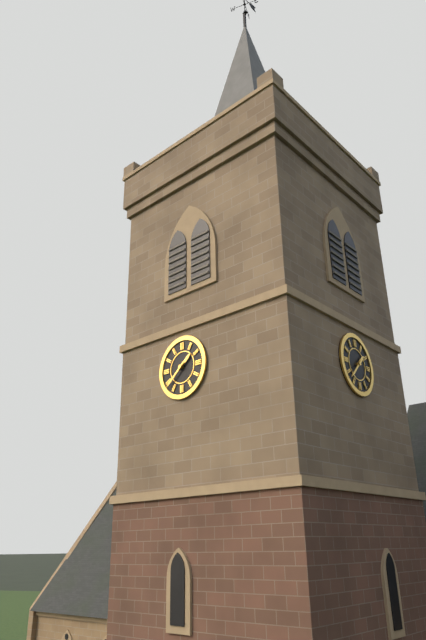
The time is h=1 m=38
